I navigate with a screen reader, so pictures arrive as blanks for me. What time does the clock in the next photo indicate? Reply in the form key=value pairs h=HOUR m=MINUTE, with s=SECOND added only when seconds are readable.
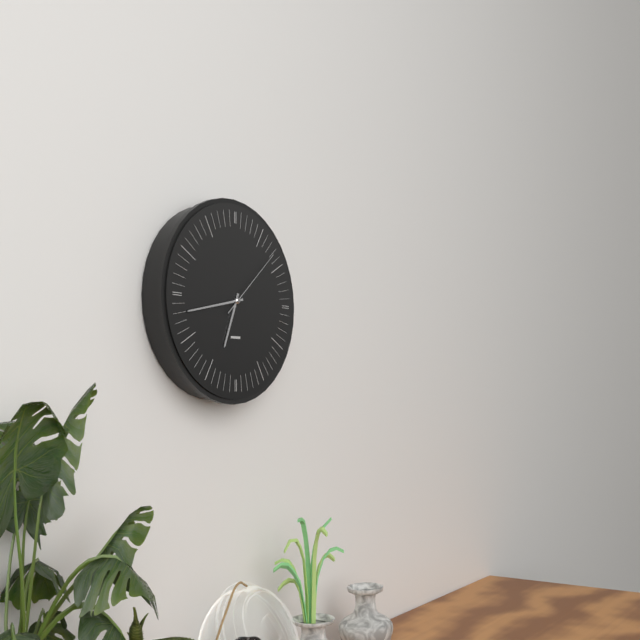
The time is h=6 m=43 s=8
